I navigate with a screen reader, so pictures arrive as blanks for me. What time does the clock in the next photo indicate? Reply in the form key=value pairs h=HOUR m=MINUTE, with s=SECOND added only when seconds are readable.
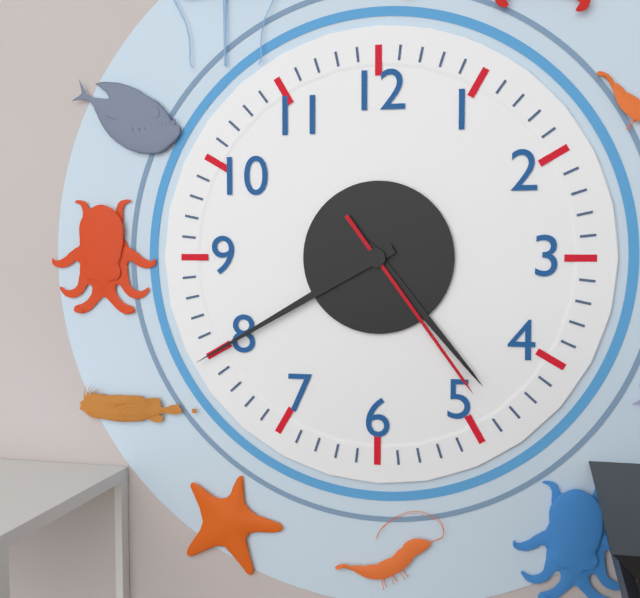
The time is h=4 m=40 s=24
